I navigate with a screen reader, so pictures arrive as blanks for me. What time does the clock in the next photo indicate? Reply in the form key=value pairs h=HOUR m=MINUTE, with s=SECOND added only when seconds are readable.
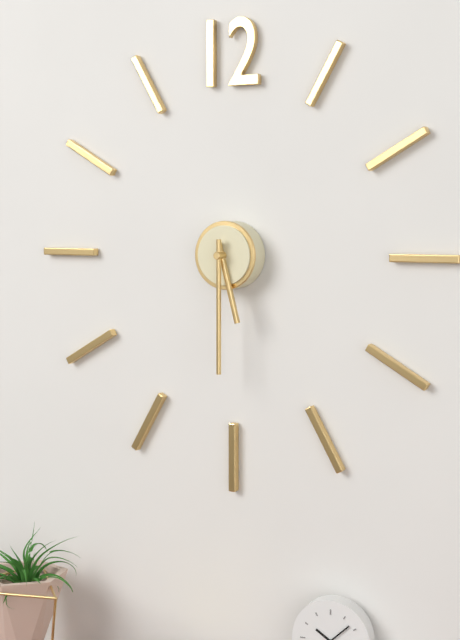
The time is h=5 m=30
